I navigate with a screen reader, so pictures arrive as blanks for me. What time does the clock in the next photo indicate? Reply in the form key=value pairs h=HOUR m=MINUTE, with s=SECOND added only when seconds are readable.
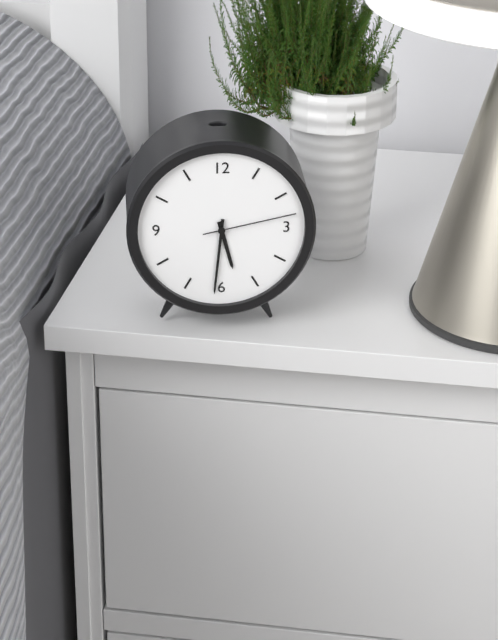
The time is h=5 m=31 s=13
